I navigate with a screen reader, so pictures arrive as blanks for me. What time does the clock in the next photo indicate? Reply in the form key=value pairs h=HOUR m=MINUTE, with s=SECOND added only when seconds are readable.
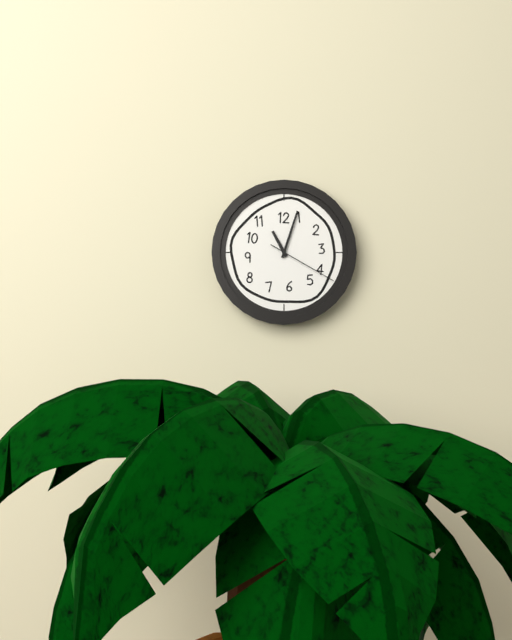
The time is h=11 m=3 s=20
